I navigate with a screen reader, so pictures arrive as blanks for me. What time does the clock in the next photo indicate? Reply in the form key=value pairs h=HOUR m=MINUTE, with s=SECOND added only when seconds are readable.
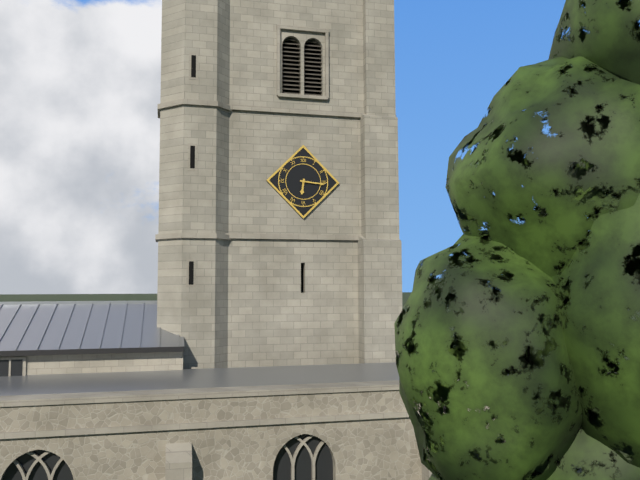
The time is h=6 m=16
